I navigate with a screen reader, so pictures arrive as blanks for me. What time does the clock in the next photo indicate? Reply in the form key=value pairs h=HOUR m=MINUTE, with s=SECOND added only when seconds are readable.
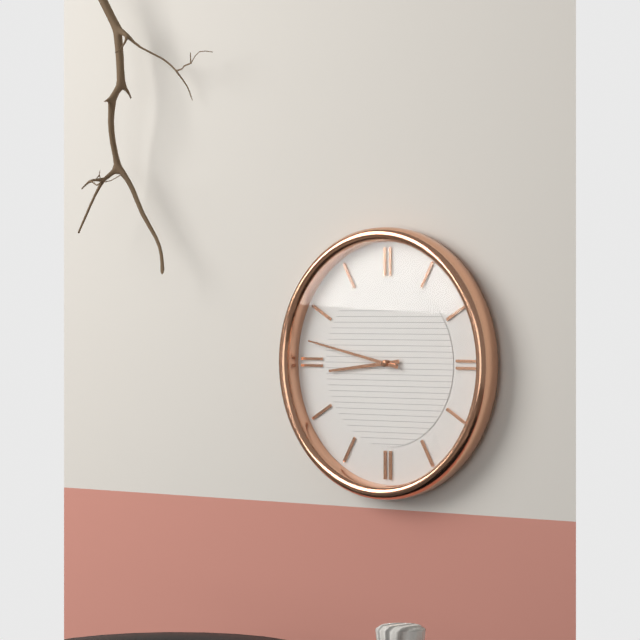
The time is h=8 m=47
